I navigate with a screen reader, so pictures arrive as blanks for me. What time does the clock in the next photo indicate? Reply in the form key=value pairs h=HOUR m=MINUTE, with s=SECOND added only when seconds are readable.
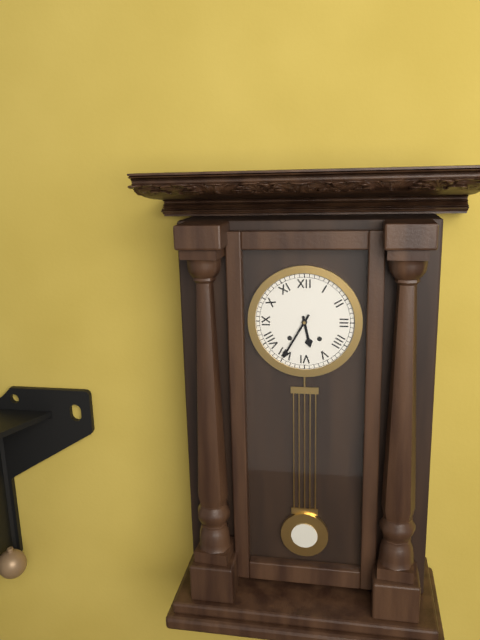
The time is h=5 m=35
